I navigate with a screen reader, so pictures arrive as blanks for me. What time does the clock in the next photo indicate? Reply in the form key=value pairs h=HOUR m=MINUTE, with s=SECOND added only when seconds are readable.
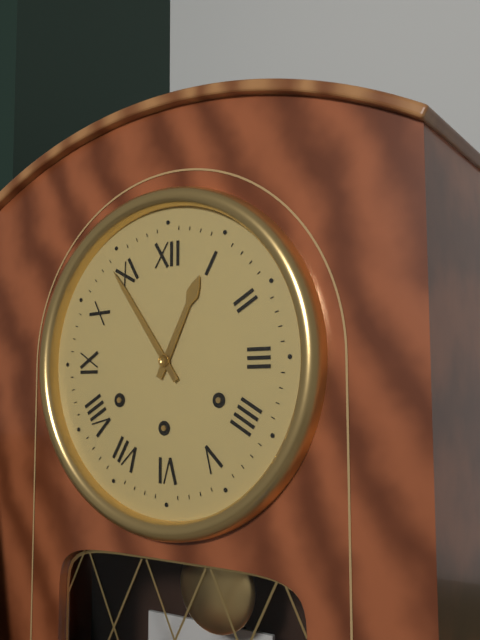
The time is h=12 m=54
